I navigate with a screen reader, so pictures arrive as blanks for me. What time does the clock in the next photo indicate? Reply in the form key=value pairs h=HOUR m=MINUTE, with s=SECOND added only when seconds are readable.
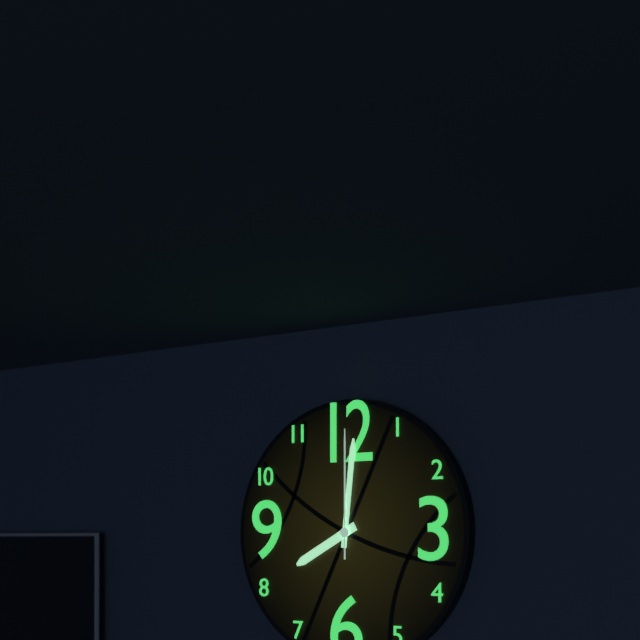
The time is h=8 m=1 s=0
